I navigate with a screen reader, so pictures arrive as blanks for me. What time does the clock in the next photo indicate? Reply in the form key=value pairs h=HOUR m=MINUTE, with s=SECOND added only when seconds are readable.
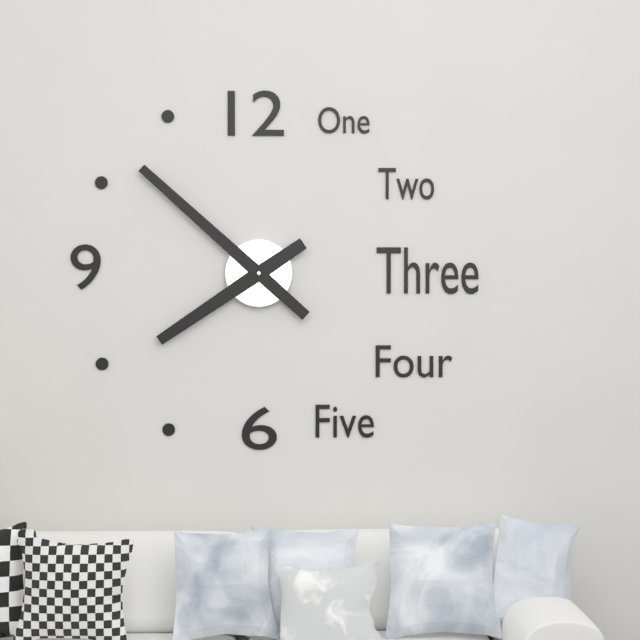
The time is h=7 m=52
